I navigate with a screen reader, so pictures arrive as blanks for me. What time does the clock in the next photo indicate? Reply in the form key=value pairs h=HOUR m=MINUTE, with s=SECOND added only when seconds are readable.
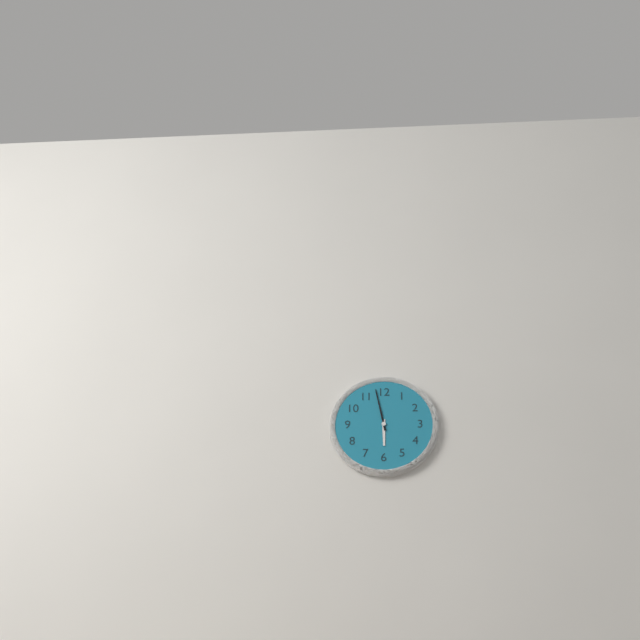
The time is h=5 m=58
